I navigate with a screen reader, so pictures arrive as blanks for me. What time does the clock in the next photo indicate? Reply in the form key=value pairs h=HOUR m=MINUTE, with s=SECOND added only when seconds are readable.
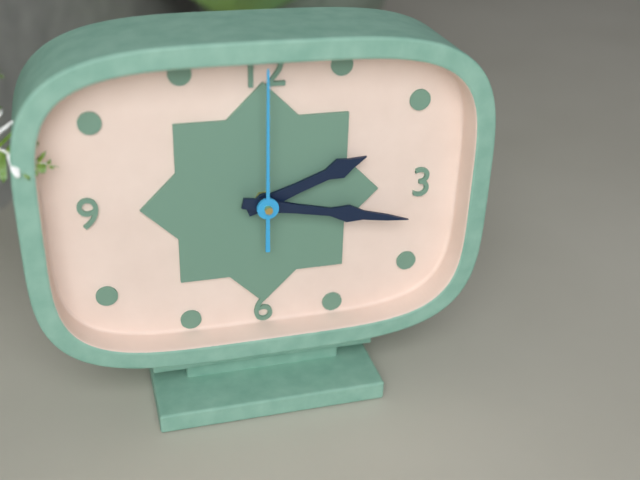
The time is h=2 m=17 s=0
